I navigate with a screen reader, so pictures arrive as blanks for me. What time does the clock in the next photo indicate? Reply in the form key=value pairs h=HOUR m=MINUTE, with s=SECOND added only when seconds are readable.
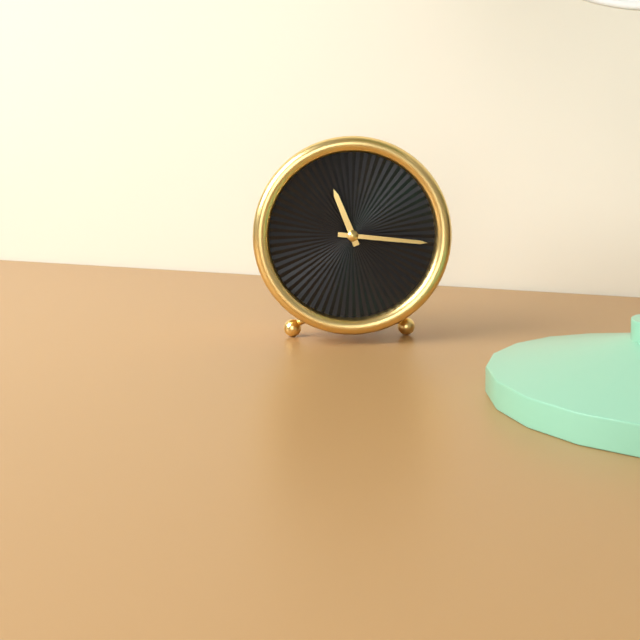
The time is h=11 m=16
